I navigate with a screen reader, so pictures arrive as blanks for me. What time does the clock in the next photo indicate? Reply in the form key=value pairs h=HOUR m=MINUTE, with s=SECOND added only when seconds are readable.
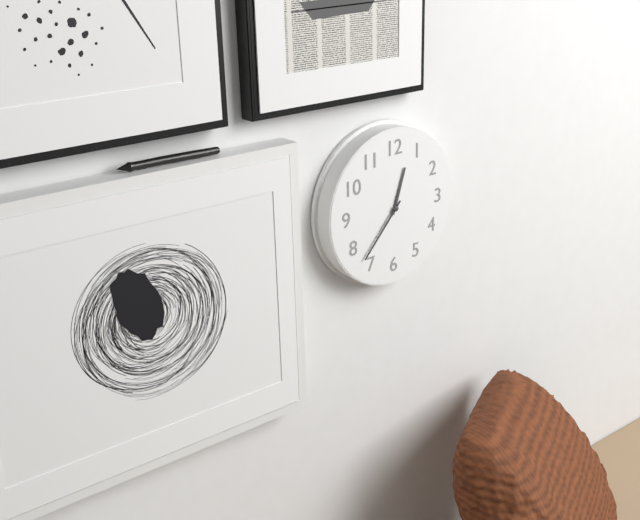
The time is h=12 m=37
